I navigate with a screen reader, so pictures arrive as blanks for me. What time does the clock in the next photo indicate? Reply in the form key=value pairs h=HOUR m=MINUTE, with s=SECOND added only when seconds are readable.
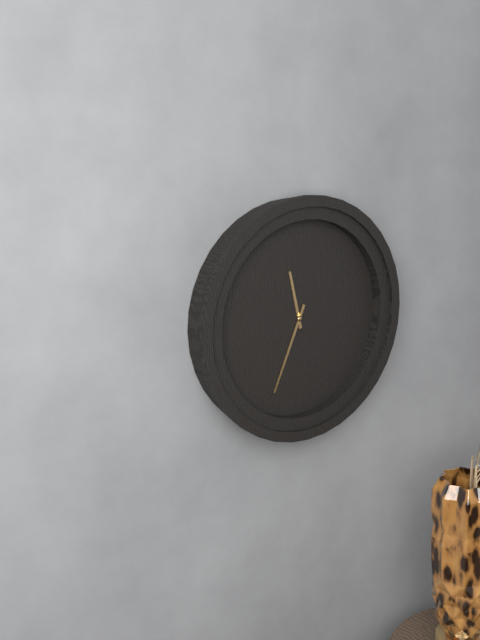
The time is h=11 m=34
